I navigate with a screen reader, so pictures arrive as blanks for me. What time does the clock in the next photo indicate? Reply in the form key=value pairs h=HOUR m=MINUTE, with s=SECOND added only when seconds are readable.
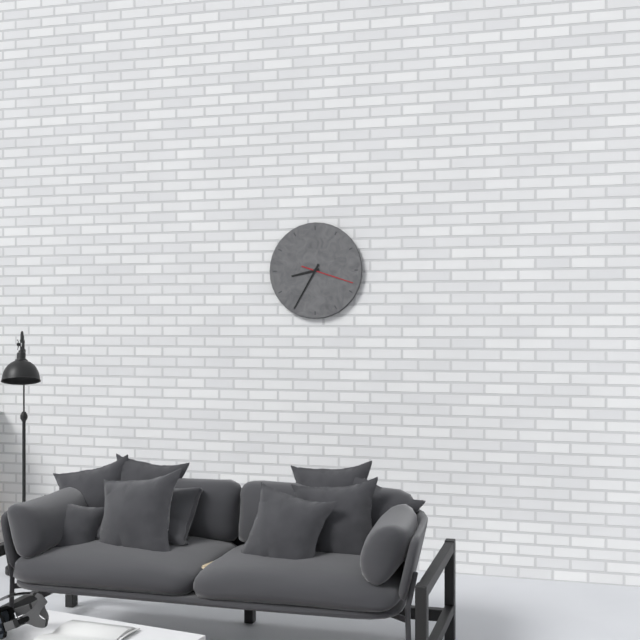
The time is h=8 m=35
